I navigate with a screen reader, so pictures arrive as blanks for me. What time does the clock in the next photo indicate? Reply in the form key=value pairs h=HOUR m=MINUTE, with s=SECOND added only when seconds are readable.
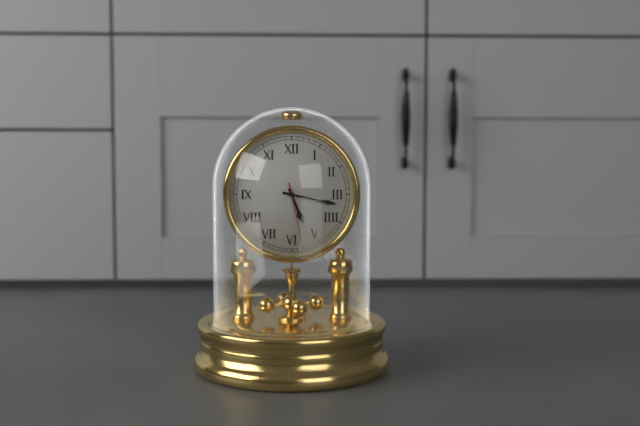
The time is h=5 m=17 s=28
